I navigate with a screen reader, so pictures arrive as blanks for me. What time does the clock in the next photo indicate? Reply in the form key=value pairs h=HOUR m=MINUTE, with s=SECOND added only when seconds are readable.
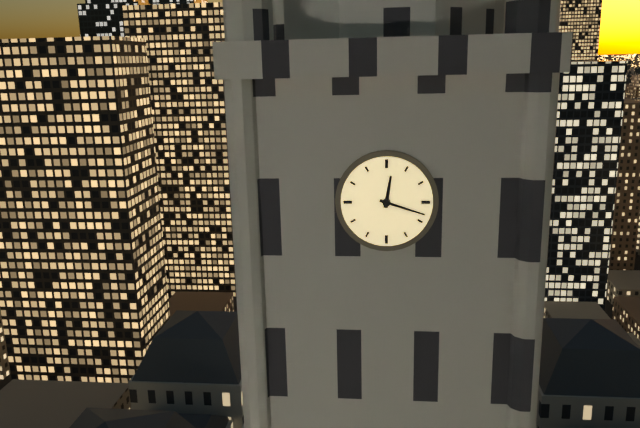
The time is h=12 m=18
